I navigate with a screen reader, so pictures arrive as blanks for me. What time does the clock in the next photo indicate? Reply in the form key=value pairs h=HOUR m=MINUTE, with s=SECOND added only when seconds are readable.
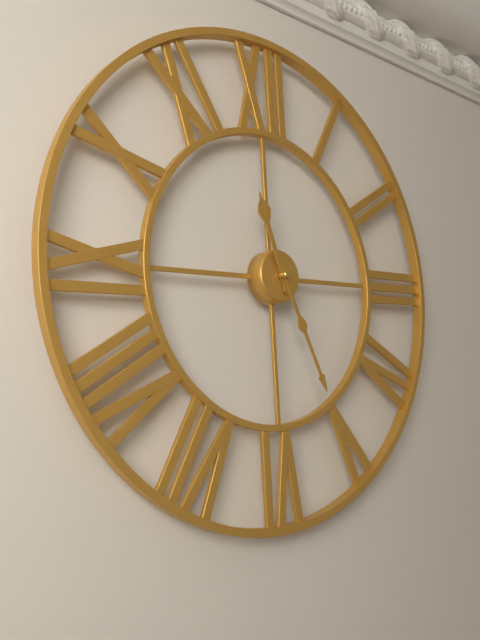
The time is h=11 m=26
